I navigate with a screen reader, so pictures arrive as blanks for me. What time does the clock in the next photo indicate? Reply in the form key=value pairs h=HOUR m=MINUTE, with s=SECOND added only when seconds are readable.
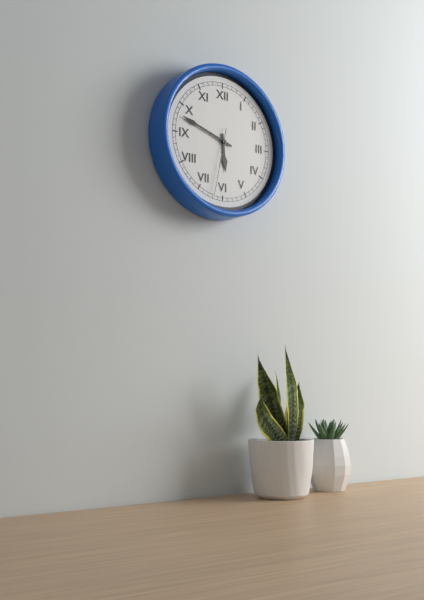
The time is h=5 m=48 s=32
